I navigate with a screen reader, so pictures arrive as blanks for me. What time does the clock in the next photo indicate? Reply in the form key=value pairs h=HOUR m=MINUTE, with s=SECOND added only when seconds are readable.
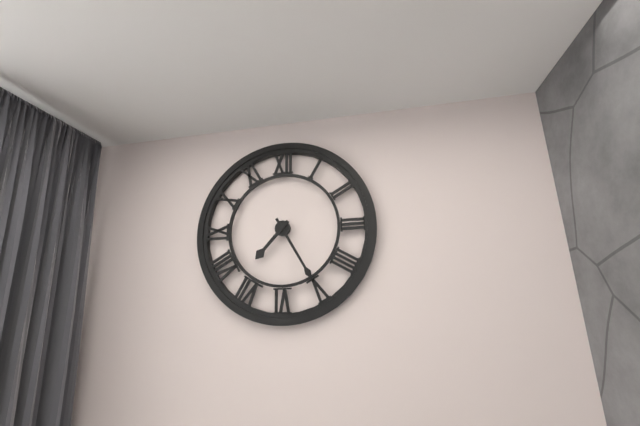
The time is h=7 m=25
